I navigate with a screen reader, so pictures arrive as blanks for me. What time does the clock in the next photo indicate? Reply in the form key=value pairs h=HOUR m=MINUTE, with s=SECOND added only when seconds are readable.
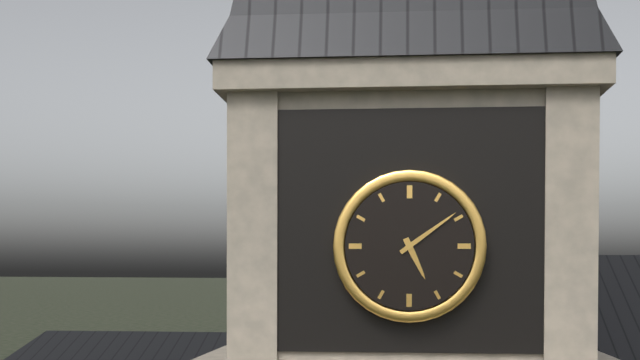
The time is h=5 m=9
